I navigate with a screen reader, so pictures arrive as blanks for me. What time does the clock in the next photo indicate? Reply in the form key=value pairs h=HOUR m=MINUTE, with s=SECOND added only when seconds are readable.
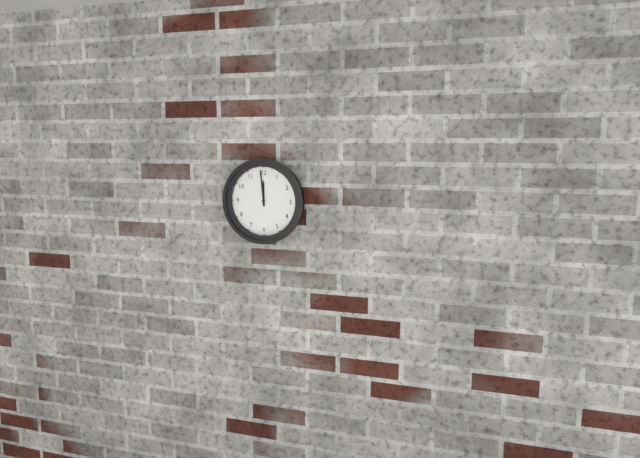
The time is h=11 m=59
